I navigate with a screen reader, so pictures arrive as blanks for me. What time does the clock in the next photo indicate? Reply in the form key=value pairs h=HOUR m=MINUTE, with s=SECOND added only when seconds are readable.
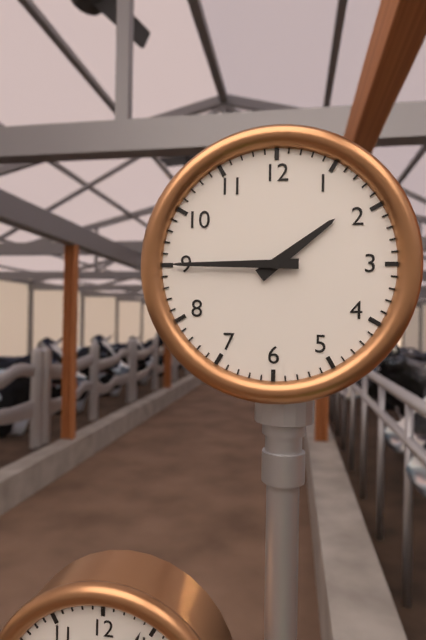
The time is h=1 m=45
